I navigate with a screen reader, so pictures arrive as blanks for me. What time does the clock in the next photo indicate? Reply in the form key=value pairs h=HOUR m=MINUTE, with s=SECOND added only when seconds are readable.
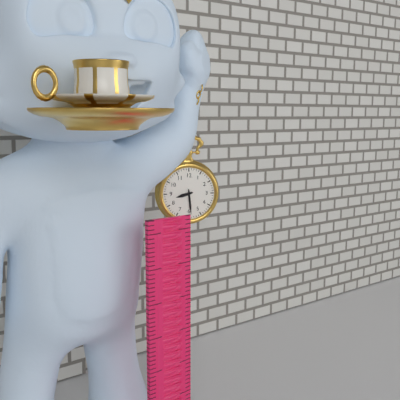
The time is h=8 m=29
